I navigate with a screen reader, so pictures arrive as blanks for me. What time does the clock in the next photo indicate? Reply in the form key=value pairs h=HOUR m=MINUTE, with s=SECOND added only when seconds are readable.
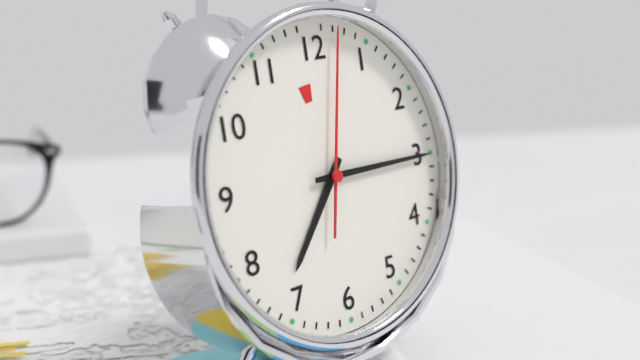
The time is h=7 m=15 s=2
